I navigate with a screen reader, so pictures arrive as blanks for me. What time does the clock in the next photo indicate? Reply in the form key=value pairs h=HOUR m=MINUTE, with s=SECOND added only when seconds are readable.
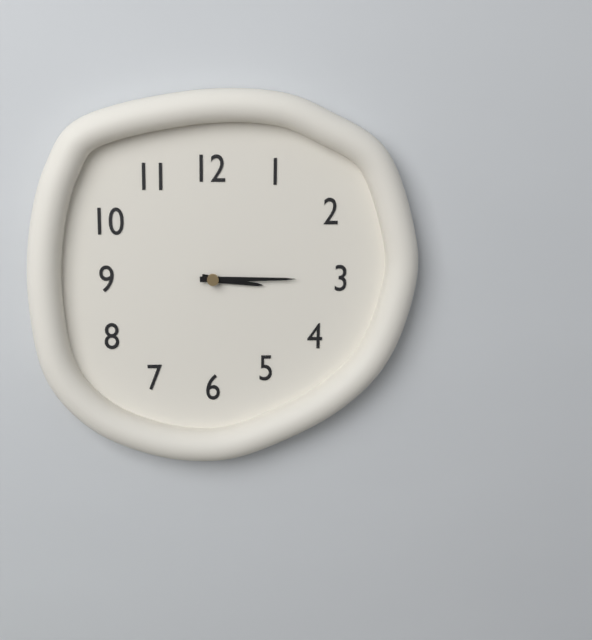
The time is h=3 m=15
